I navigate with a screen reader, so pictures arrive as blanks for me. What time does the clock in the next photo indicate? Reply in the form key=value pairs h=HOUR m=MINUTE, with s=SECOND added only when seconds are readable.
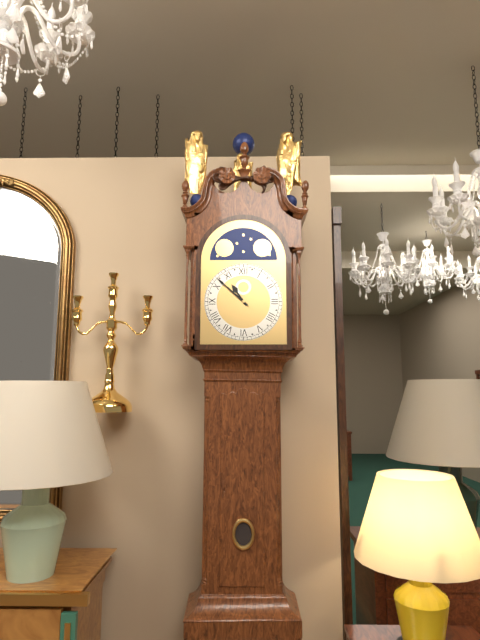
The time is h=10 m=52
